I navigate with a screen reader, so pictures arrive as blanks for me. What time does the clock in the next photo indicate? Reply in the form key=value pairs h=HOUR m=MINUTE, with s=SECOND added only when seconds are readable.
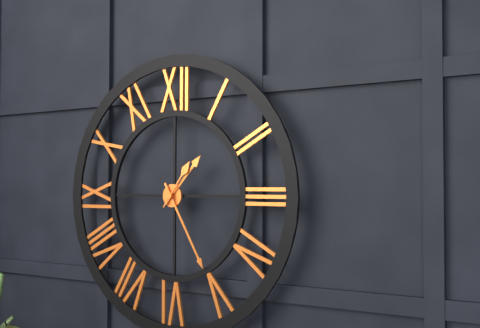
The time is h=1 m=25
